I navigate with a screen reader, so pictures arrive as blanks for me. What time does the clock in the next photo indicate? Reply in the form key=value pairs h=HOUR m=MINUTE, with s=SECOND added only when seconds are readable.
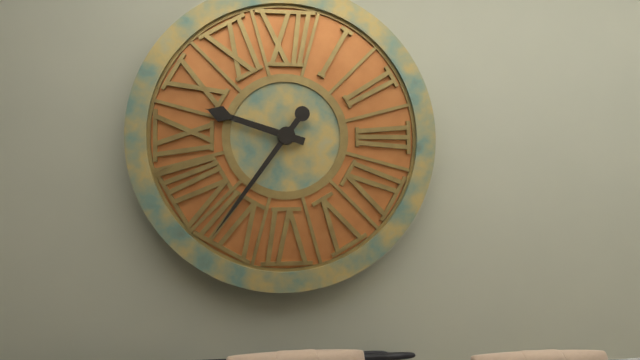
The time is h=9 m=36
